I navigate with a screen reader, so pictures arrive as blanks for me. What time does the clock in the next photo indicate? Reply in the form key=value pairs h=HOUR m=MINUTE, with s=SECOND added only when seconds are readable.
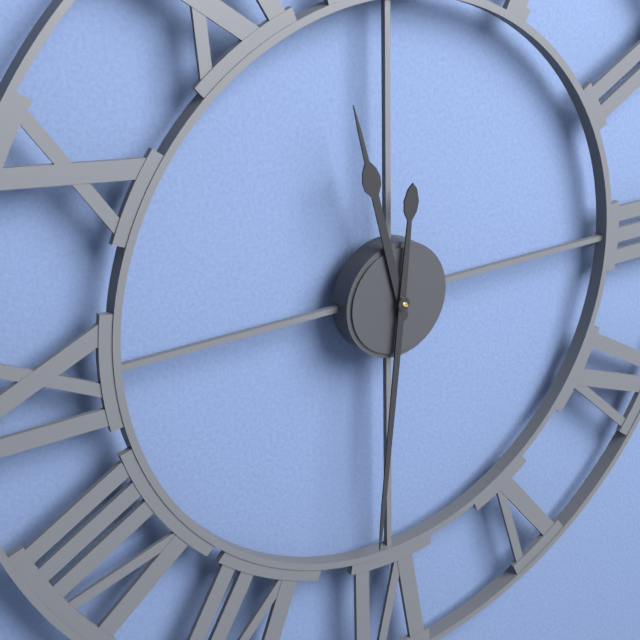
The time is h=11 m=31
